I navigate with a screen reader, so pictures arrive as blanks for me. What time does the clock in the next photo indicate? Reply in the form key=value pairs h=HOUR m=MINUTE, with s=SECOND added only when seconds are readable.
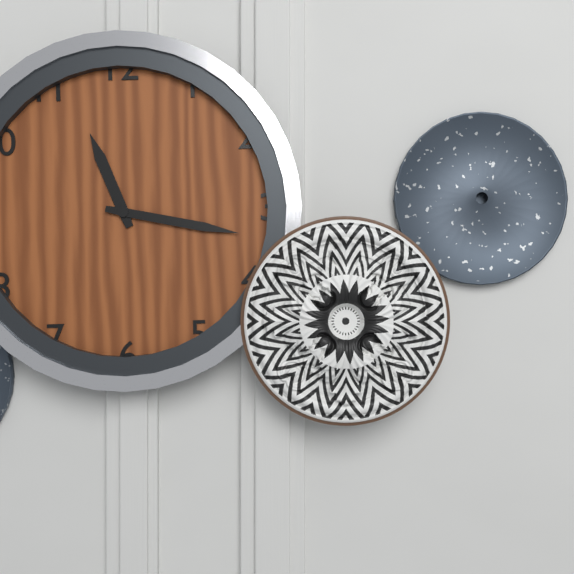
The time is h=11 m=17
